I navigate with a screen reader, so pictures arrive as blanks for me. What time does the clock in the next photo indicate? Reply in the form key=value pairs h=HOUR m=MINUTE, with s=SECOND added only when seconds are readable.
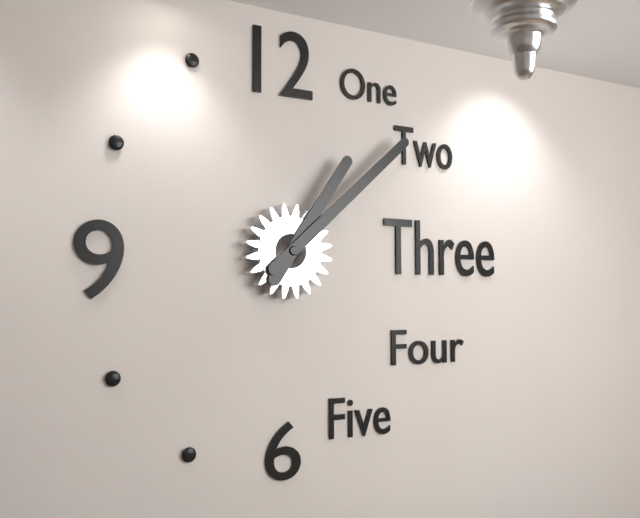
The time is h=1 m=8
